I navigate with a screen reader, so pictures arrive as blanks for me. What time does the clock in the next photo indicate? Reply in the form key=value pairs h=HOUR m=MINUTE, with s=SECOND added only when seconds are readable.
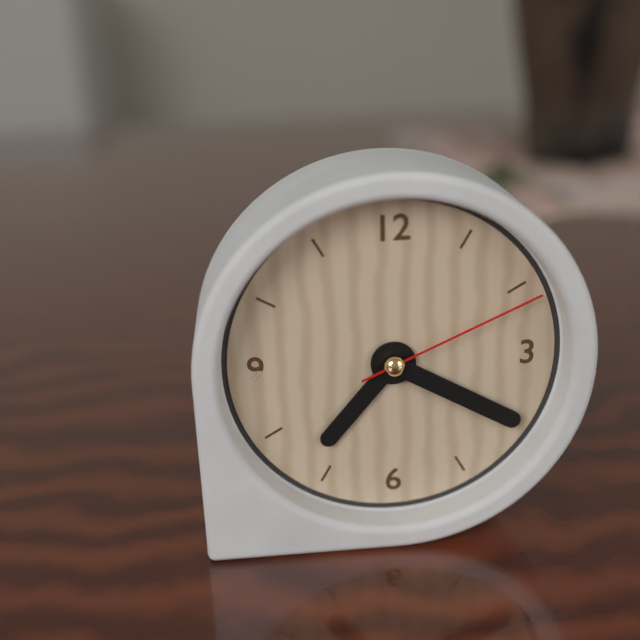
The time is h=7 m=20 s=11
